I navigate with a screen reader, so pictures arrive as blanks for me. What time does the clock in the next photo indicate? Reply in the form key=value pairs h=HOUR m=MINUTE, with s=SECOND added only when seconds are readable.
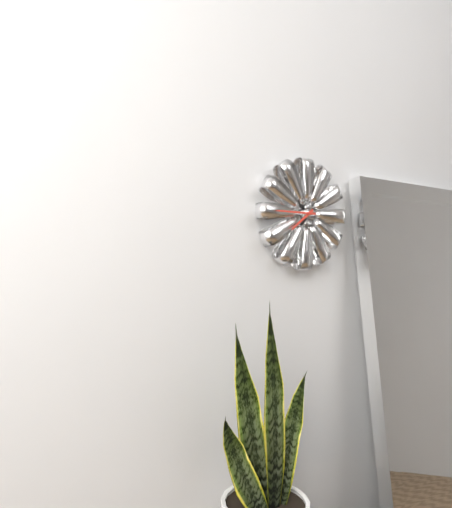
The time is h=7 m=45
